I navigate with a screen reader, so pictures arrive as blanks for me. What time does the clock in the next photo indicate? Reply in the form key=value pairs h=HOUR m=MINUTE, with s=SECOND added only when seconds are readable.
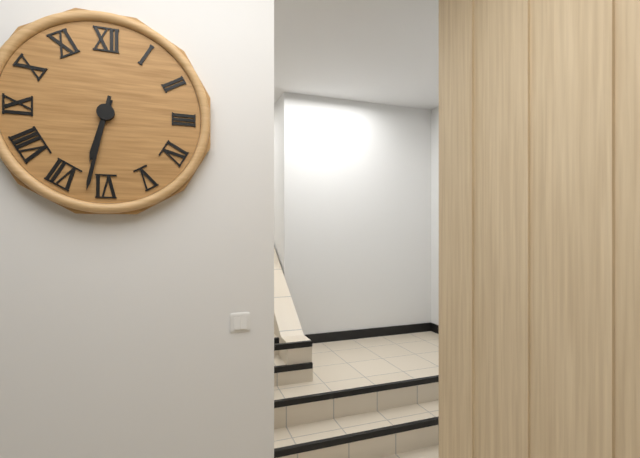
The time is h=6 m=32
